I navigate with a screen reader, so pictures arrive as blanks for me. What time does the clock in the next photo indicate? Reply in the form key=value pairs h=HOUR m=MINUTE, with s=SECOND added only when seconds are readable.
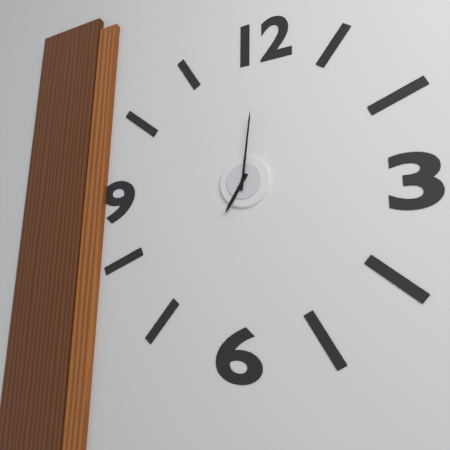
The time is h=7 m=1
